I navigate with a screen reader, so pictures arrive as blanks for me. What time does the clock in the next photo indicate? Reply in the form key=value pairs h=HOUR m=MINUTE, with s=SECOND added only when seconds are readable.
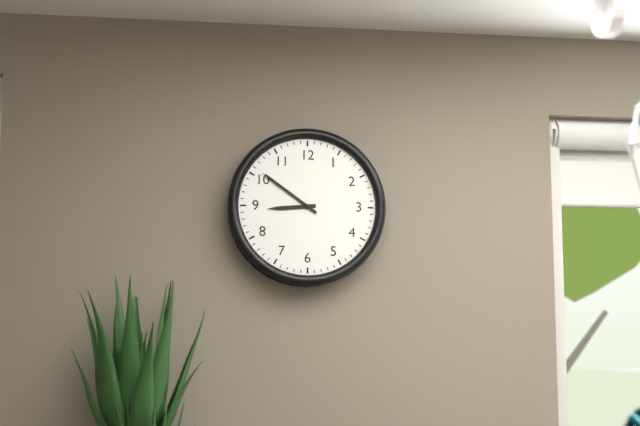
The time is h=8 m=51
